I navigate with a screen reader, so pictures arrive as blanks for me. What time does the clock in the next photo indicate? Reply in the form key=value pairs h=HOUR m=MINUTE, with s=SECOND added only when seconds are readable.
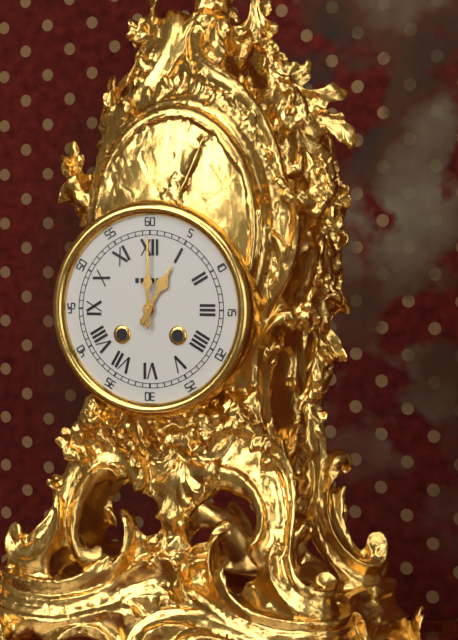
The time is h=1 m=0
